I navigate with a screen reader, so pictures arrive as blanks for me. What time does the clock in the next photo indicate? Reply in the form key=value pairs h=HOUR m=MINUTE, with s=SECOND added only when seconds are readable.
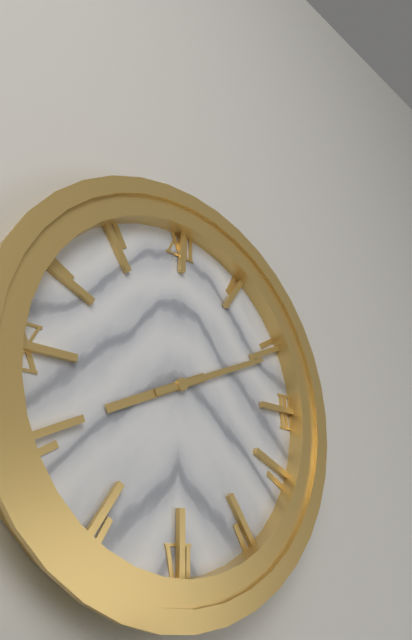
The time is h=8 m=11
